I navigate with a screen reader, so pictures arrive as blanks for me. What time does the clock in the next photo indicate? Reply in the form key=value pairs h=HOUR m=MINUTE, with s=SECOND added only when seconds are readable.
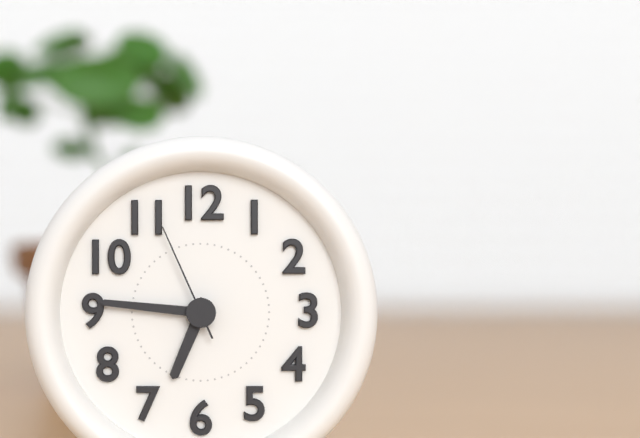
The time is h=6 m=46 s=56
